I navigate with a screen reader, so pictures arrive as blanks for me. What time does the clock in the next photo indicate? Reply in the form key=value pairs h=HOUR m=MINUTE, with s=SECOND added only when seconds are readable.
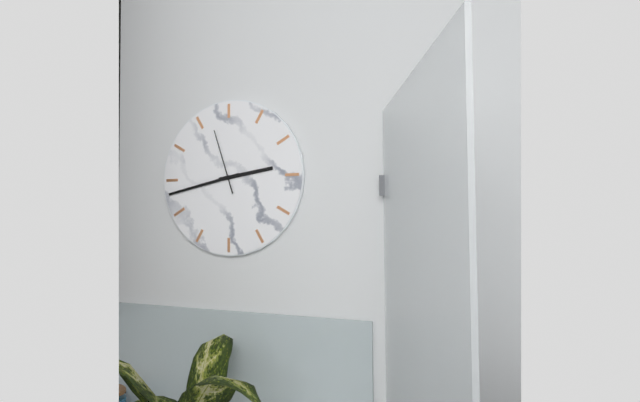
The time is h=2 m=43 s=57
